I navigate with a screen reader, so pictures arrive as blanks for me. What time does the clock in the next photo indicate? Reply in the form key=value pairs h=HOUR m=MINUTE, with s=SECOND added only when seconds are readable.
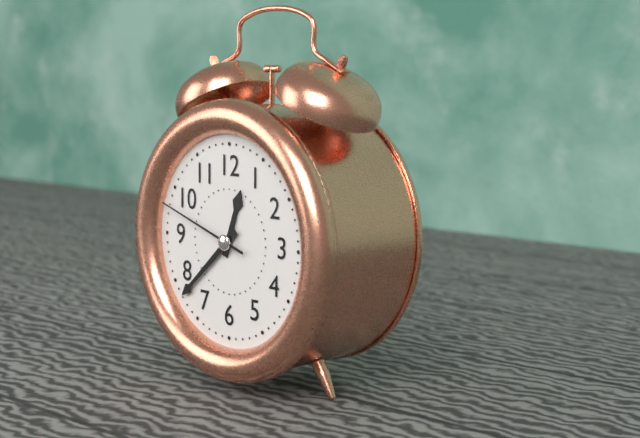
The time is h=12 m=38 s=48
